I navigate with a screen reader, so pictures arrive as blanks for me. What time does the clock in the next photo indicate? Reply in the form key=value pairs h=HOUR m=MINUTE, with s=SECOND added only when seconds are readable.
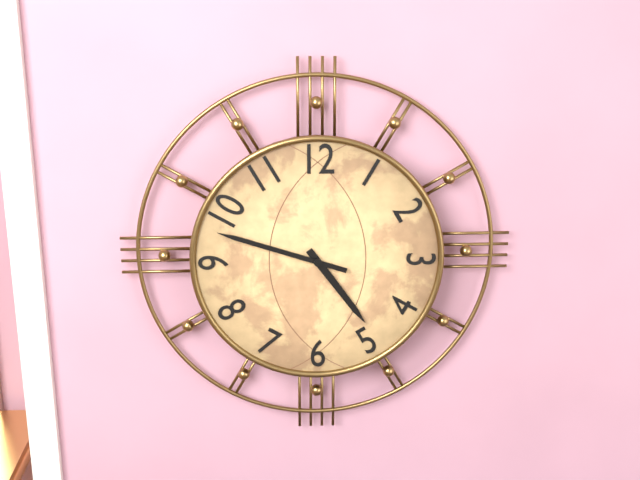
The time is h=4 m=48
